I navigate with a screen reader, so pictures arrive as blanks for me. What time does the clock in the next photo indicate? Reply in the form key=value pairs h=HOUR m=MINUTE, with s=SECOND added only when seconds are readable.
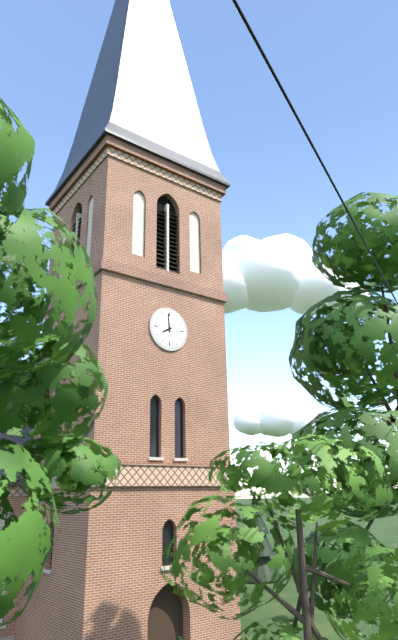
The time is h=7 m=59
